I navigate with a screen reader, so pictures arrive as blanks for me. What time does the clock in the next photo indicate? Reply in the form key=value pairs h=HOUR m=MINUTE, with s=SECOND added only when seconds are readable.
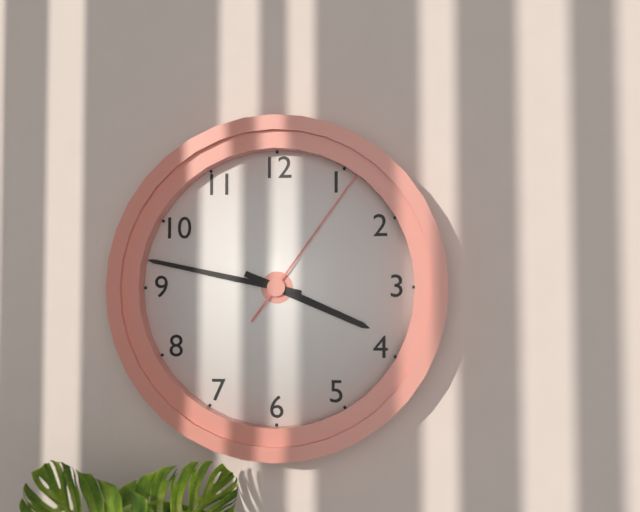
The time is h=3 m=47 s=6
